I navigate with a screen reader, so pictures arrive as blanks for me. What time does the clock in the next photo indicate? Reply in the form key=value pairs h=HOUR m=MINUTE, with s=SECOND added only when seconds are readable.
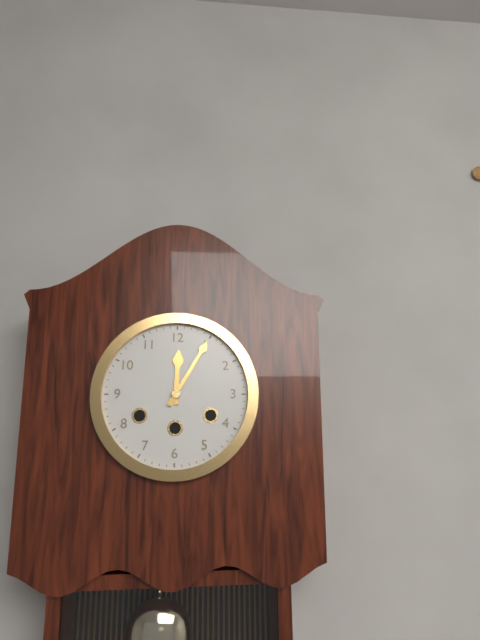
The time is h=12 m=5
